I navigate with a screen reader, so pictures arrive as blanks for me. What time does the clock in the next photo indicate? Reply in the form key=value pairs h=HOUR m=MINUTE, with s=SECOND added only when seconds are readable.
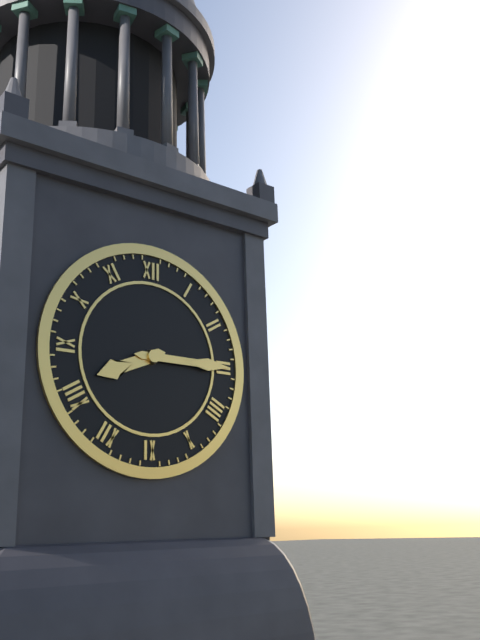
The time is h=8 m=15
